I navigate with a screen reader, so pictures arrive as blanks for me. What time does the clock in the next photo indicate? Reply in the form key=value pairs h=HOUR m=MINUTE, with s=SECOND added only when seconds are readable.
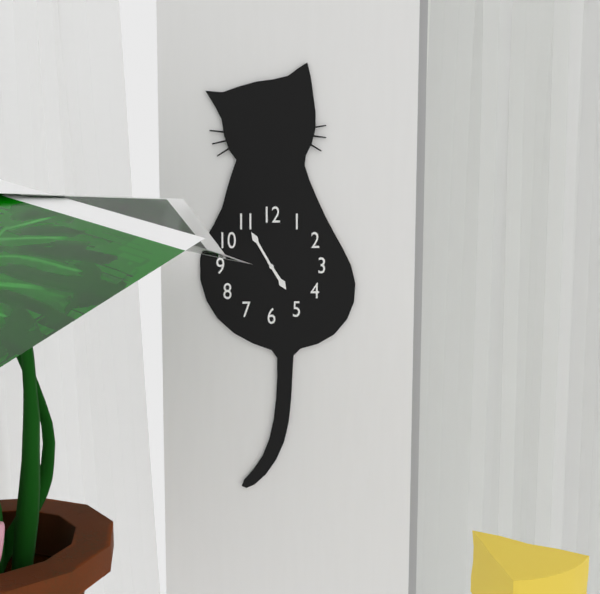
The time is h=4 m=55
